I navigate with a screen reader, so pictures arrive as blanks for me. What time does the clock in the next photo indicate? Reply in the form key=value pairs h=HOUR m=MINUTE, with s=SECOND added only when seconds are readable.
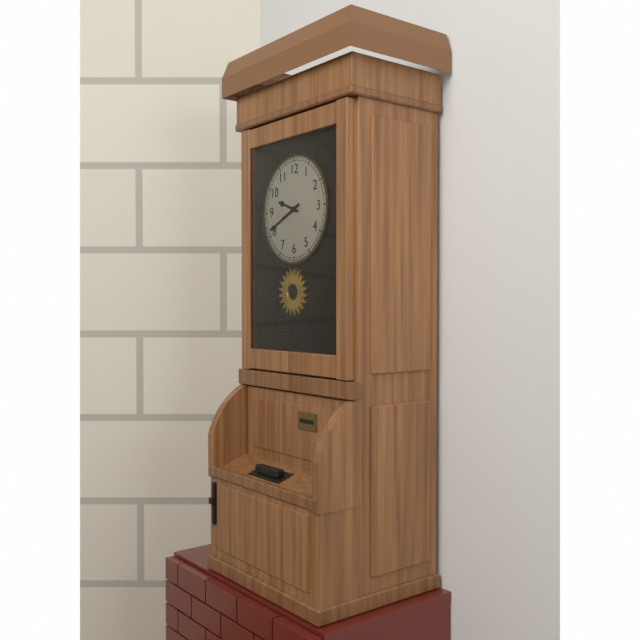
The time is h=9 m=41
